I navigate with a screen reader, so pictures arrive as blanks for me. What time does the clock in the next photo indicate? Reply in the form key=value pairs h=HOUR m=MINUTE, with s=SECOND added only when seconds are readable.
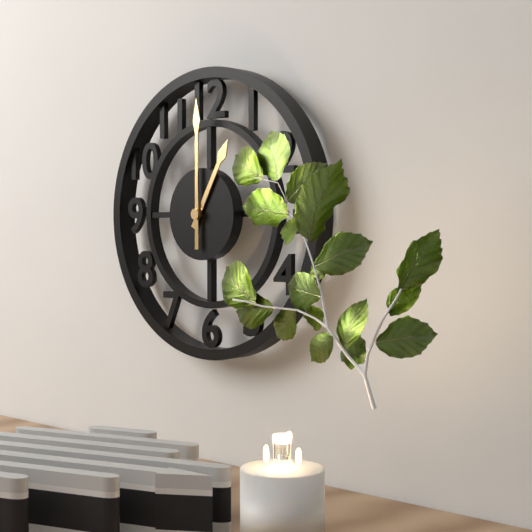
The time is h=1 m=0
